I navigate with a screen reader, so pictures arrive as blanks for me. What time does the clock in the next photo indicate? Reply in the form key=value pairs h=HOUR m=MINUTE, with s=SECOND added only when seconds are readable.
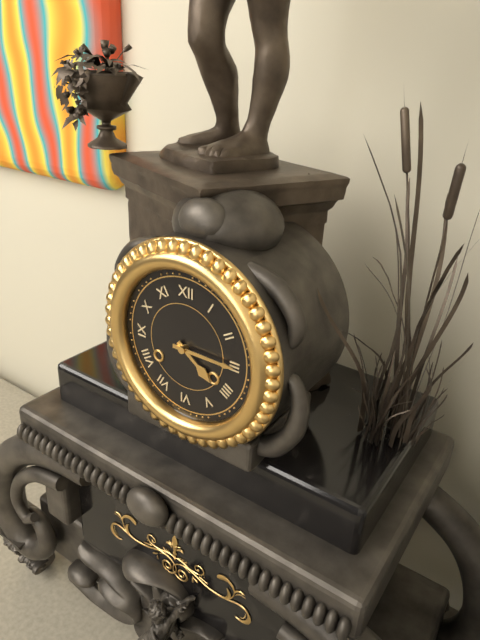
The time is h=4 m=15
